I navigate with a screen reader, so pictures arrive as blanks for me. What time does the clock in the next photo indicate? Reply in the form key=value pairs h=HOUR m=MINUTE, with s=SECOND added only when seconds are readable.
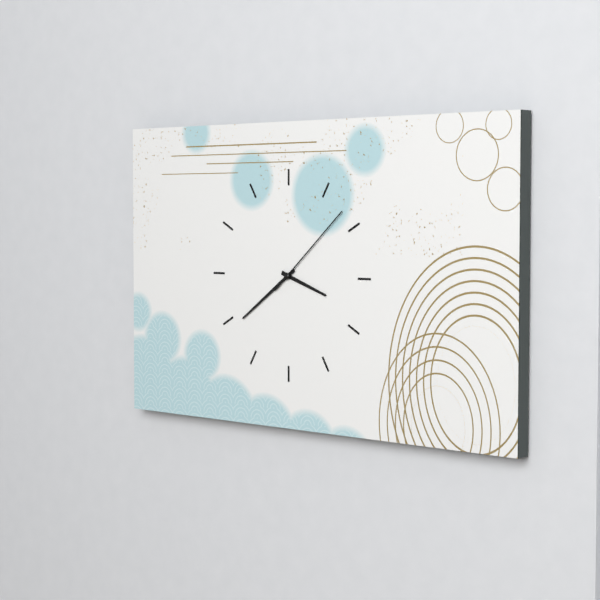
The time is h=3 m=39 s=8
